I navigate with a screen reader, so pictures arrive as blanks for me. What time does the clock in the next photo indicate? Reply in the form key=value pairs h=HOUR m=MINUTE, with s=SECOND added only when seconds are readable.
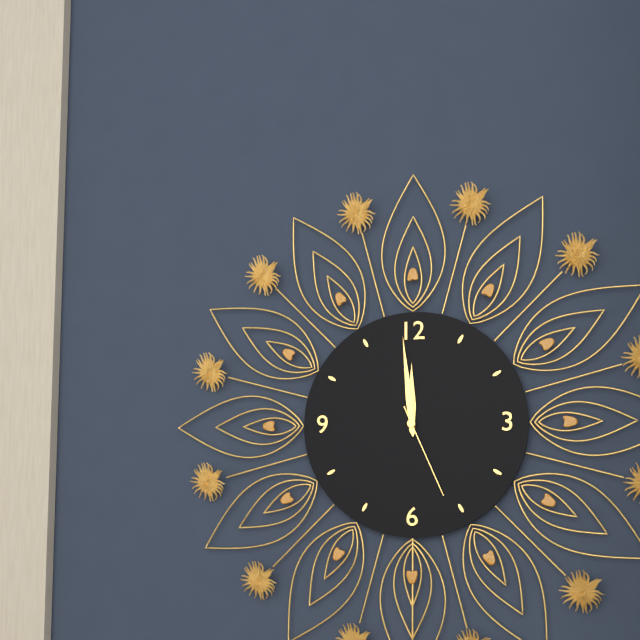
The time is h=11 m=59 s=26
